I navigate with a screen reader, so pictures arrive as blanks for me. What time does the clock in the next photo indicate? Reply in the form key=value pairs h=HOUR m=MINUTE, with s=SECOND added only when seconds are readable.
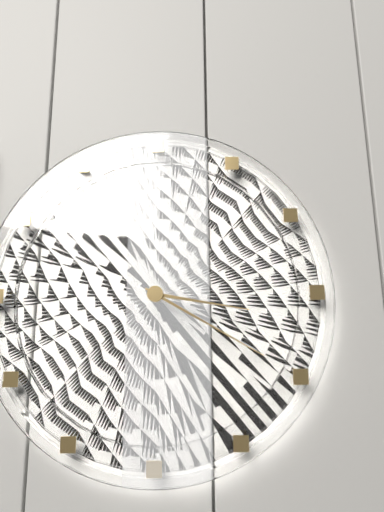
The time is h=3 m=20
